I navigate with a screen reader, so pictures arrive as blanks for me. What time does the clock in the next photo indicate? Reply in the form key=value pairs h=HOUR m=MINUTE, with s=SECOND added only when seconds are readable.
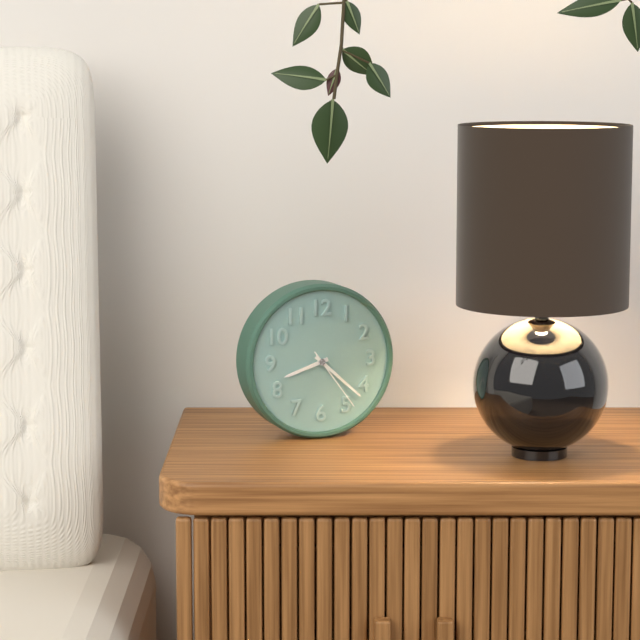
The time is h=8 m=22 s=24
